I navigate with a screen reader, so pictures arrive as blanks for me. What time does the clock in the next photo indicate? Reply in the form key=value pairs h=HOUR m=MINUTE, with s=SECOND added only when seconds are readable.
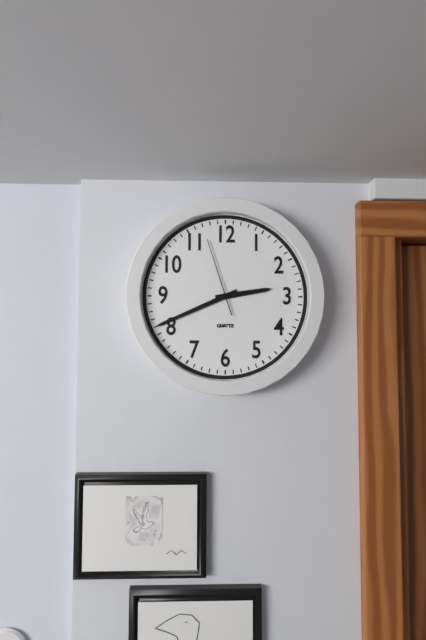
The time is h=2 m=41 s=57
